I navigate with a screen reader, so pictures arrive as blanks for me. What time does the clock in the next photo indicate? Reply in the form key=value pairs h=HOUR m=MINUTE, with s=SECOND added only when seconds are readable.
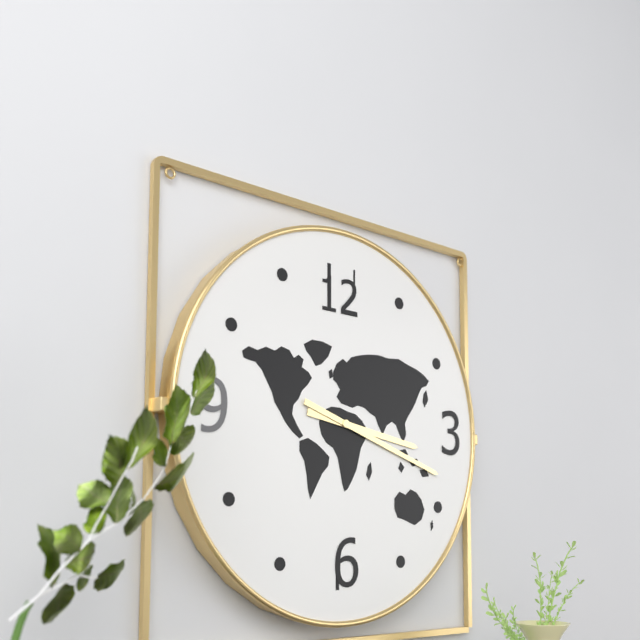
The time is h=3 m=18
